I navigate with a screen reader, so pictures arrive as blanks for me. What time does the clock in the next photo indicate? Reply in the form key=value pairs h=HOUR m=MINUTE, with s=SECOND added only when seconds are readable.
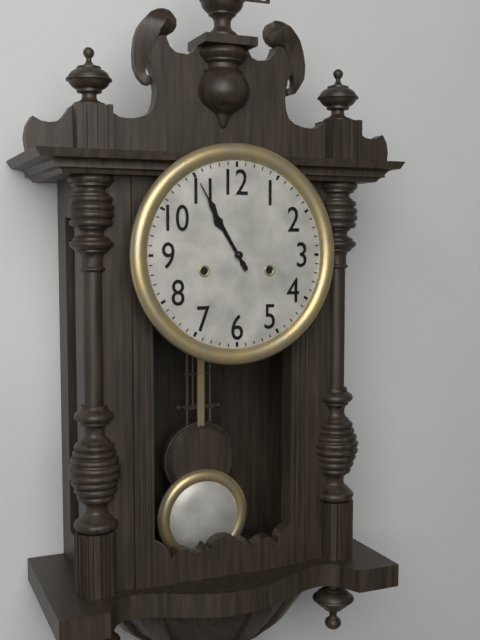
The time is h=10 m=55
